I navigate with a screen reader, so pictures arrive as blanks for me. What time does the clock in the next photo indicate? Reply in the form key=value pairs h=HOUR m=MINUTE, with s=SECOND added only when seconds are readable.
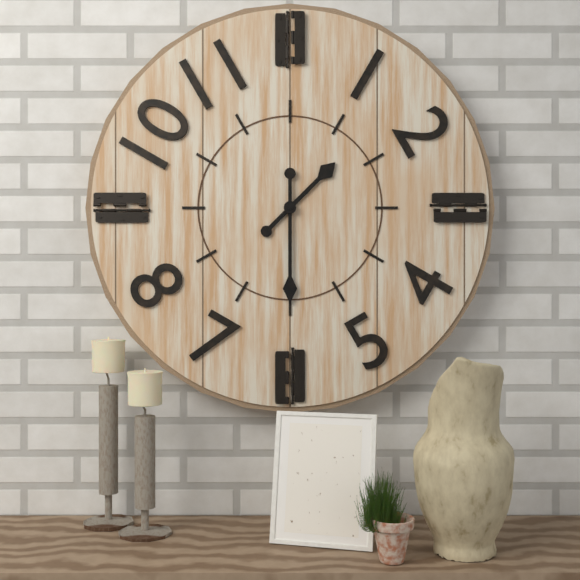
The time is h=1 m=30
